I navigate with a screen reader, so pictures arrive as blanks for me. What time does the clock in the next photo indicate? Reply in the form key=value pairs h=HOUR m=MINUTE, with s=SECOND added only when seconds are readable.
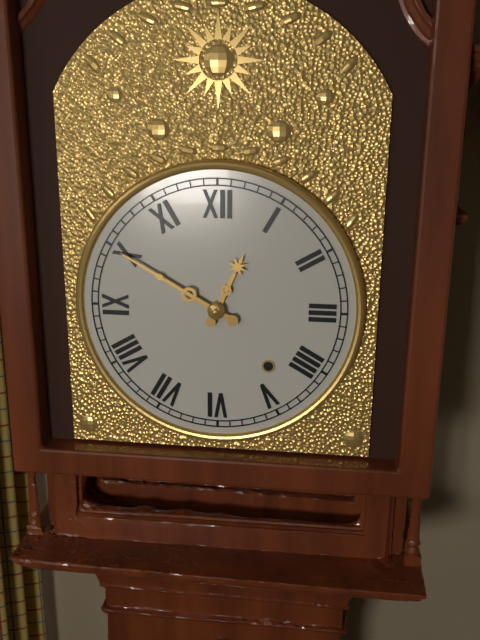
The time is h=12 m=50
